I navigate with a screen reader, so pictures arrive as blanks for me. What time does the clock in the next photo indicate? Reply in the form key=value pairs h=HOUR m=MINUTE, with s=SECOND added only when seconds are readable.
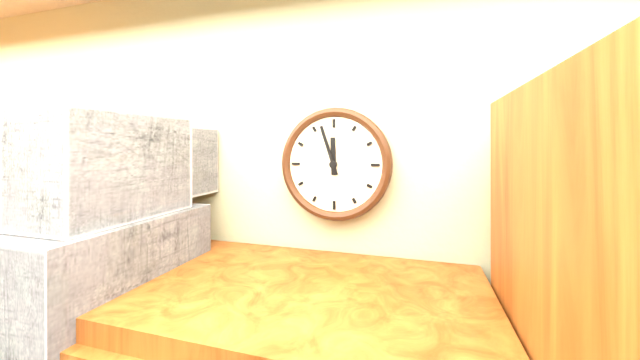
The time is h=11 m=57
